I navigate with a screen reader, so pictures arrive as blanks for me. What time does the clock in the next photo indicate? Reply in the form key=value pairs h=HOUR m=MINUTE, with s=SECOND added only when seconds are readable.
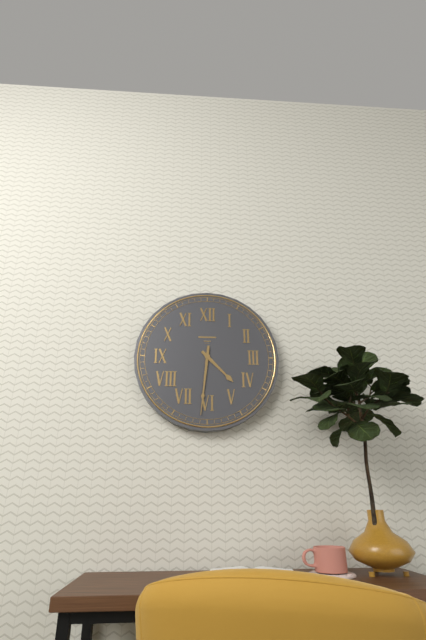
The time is h=4 m=31
